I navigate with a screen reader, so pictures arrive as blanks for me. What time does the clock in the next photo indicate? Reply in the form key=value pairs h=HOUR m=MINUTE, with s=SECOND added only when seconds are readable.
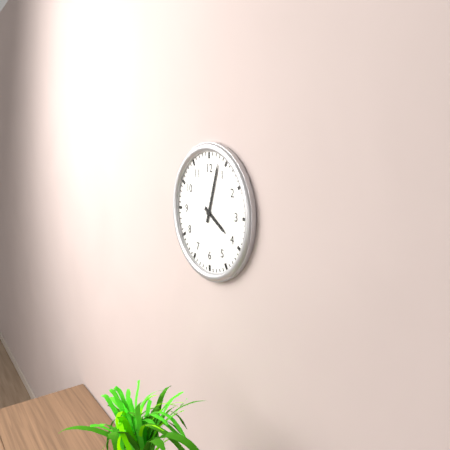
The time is h=4 m=3
